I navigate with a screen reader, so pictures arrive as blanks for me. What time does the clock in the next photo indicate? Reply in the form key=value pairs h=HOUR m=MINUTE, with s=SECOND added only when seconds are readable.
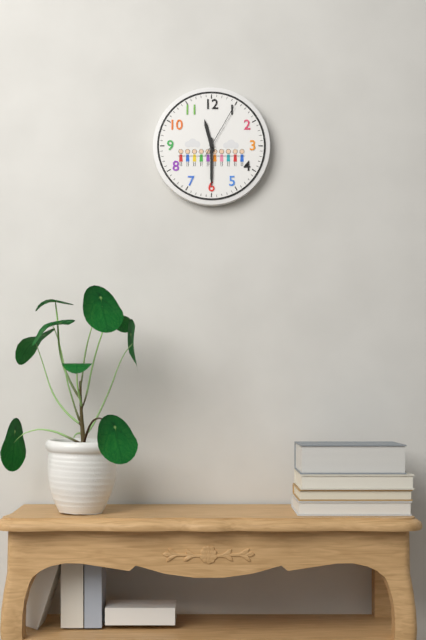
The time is h=11 m=30 s=5
